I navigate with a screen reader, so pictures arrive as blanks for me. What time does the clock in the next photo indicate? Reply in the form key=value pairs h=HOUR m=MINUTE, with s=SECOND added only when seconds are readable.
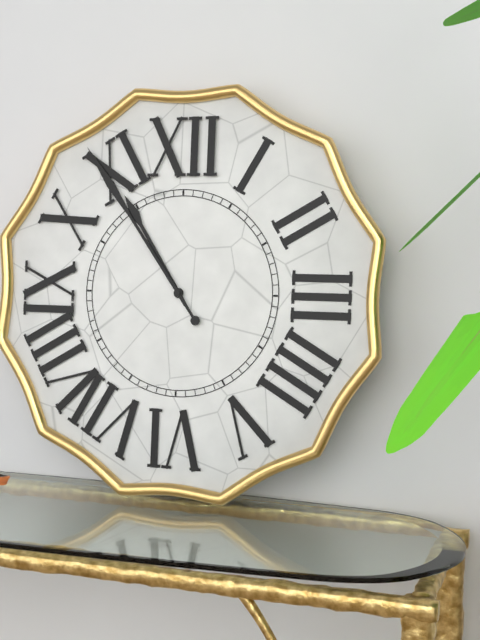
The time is h=10 m=54
